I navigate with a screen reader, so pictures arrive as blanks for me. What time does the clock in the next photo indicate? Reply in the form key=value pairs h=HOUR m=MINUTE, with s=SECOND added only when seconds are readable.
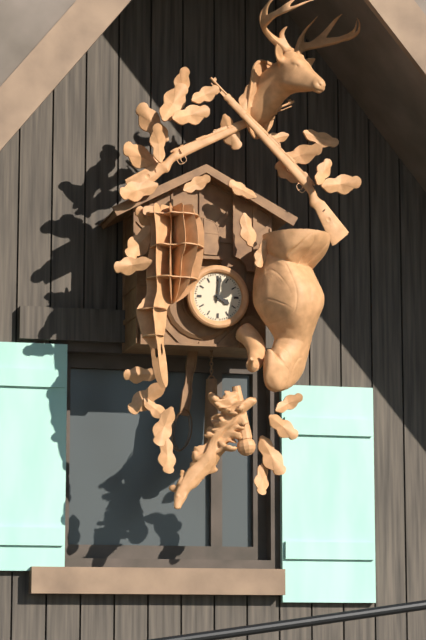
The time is h=4 m=1
